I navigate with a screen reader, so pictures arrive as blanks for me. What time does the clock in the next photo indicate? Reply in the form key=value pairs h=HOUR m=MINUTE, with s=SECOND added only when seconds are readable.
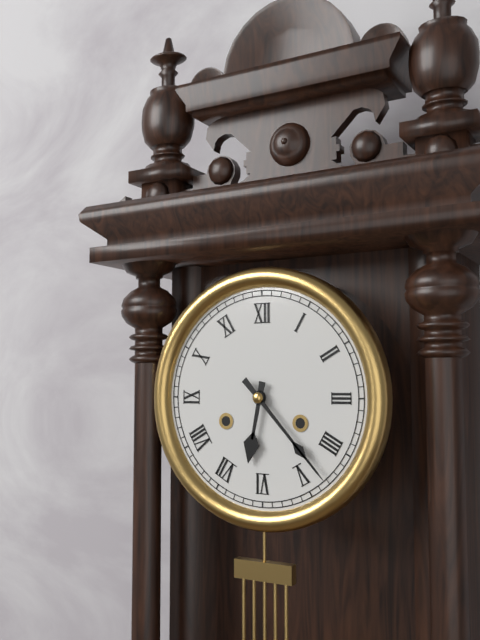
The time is h=6 m=23
